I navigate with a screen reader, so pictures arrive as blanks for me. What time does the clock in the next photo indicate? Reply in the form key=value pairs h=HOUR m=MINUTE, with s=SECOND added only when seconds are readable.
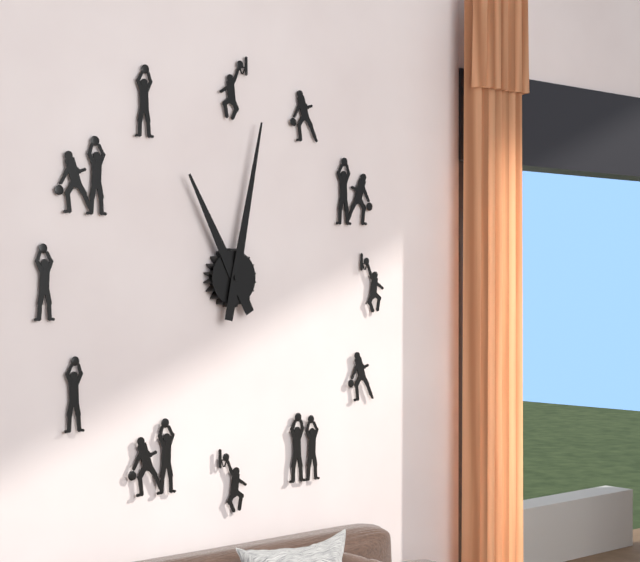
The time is h=11 m=2
